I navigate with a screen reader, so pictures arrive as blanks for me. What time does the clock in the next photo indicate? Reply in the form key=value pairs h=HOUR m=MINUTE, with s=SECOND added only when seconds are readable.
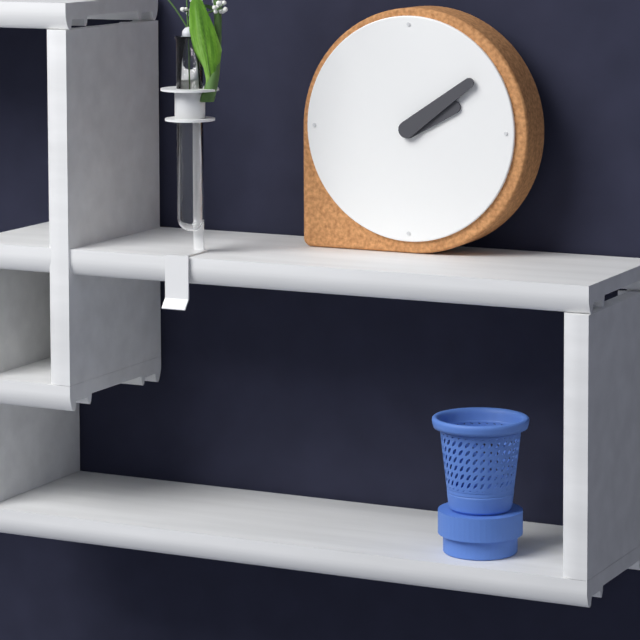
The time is h=2 m=9
